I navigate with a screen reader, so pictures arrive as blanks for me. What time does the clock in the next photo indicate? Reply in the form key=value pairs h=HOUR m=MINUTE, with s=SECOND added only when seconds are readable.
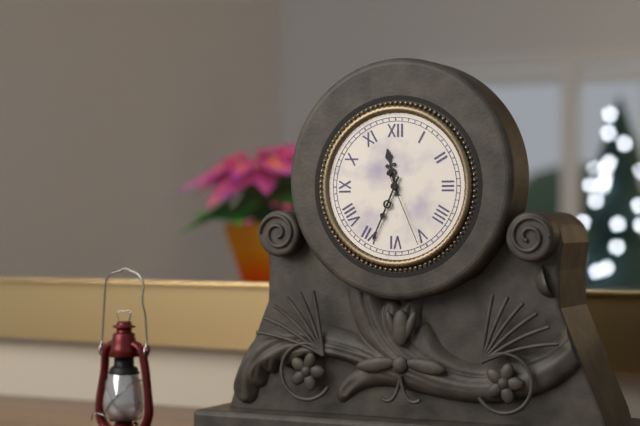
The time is h=11 m=34 s=26
